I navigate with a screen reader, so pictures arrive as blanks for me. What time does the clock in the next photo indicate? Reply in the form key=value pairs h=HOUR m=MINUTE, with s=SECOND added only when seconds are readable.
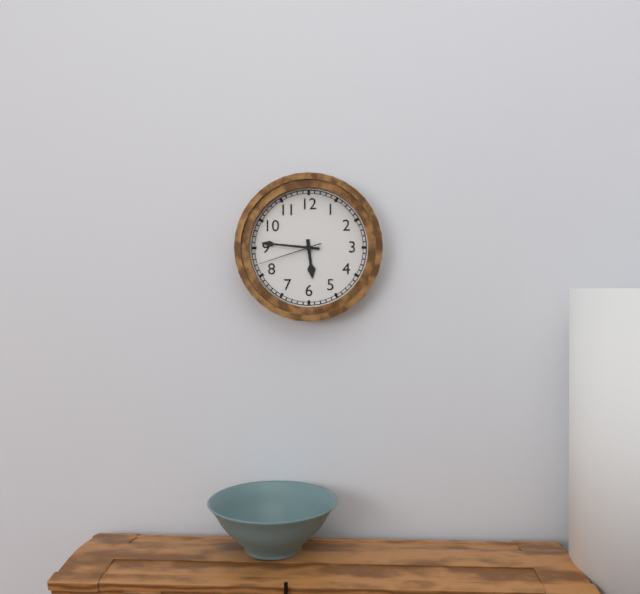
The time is h=5 m=46 s=42
